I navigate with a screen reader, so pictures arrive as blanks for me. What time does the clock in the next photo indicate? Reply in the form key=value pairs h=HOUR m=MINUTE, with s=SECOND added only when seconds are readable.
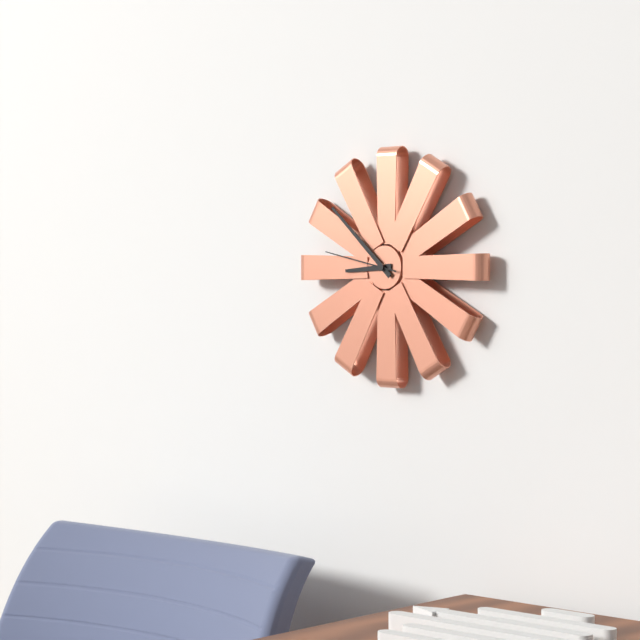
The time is h=8 m=52 s=47
